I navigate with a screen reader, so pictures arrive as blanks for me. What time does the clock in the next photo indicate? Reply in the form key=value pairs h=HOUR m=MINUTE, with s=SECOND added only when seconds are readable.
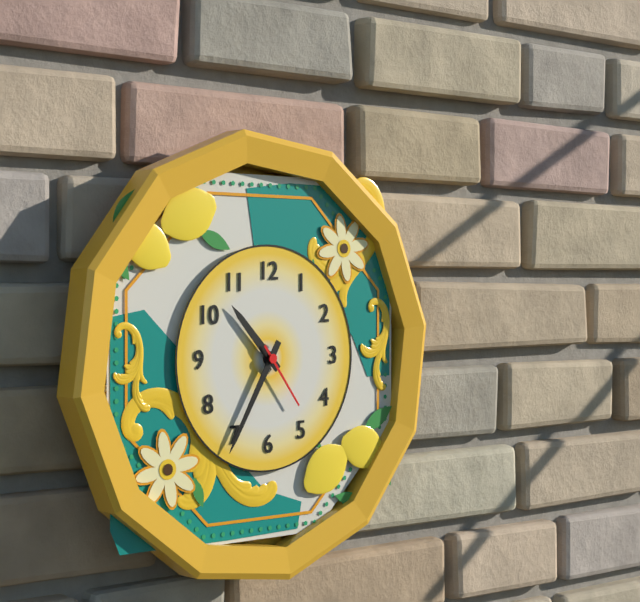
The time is h=10 m=35 s=24
